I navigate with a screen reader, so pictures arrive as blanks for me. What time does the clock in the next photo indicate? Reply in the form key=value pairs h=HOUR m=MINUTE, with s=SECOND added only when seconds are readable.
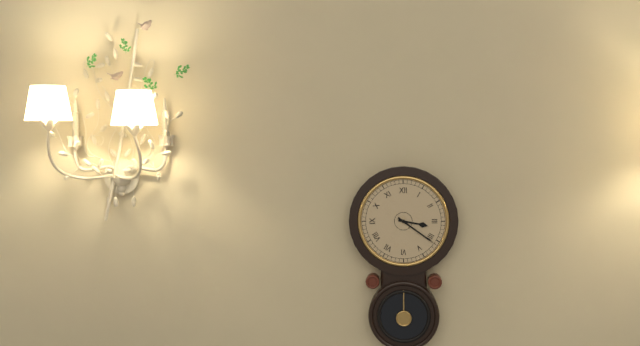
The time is h=3 m=21
